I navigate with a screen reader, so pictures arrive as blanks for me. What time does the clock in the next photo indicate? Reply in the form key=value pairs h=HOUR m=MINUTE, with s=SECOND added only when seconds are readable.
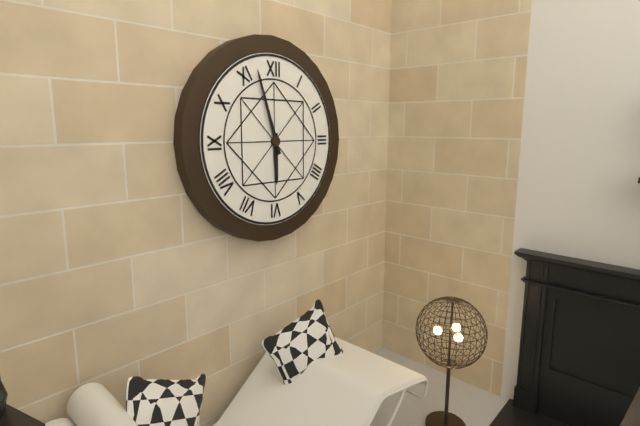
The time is h=5 m=57
